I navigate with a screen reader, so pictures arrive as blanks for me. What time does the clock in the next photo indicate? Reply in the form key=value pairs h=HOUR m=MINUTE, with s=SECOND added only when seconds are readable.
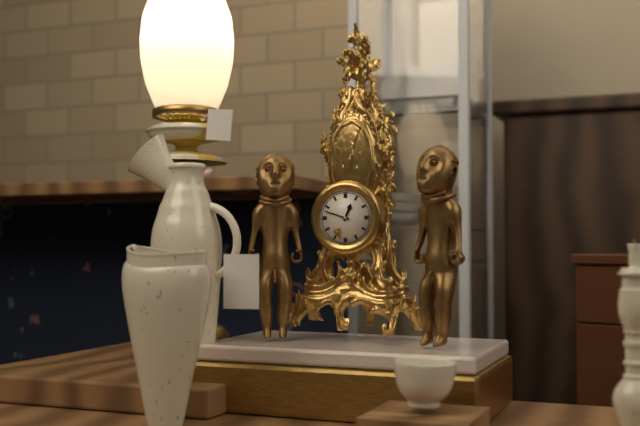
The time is h=12 m=48
